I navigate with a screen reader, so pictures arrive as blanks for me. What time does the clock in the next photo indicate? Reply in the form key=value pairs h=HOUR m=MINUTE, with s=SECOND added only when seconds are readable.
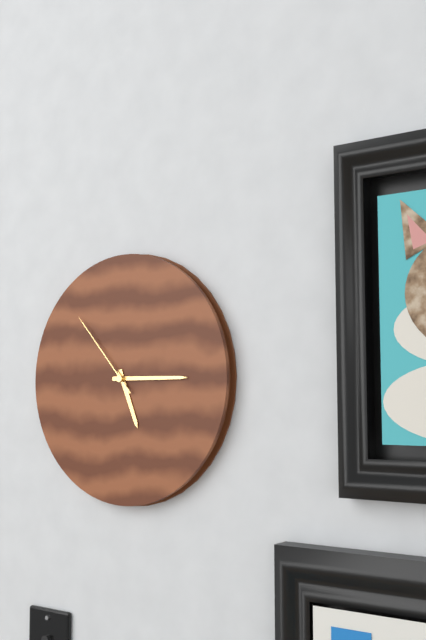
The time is h=5 m=15 s=53
